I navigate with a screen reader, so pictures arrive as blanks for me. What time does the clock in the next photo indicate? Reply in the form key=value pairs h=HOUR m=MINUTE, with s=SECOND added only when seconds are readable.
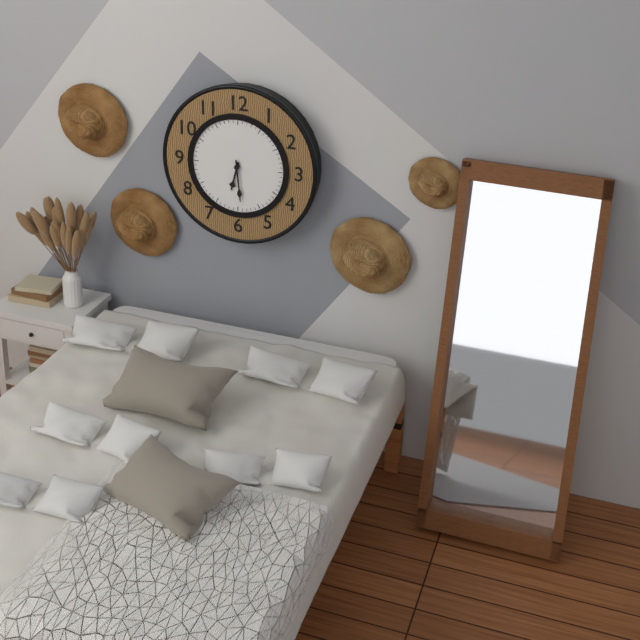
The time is h=6 m=29
